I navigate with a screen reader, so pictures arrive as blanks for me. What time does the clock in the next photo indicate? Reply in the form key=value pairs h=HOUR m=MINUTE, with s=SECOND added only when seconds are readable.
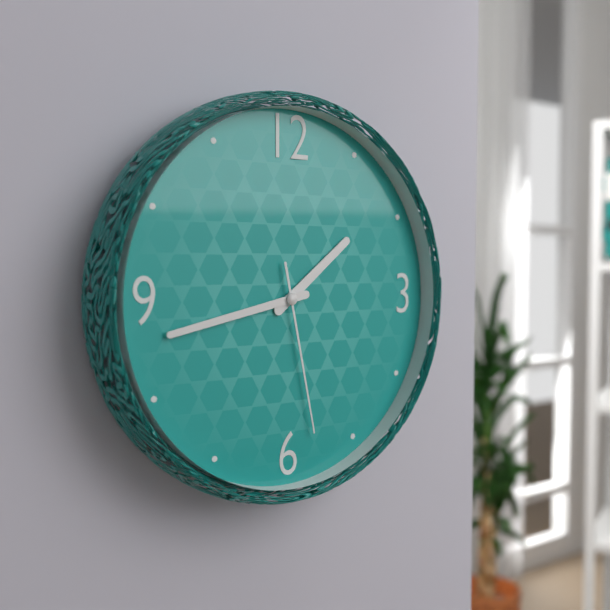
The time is h=1 m=43 s=28
